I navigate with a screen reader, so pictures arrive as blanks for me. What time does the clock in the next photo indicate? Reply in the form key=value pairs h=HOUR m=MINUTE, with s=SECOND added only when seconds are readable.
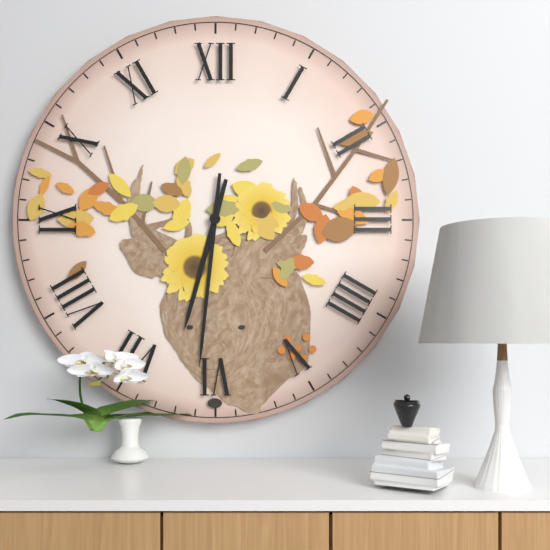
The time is h=6 m=31
